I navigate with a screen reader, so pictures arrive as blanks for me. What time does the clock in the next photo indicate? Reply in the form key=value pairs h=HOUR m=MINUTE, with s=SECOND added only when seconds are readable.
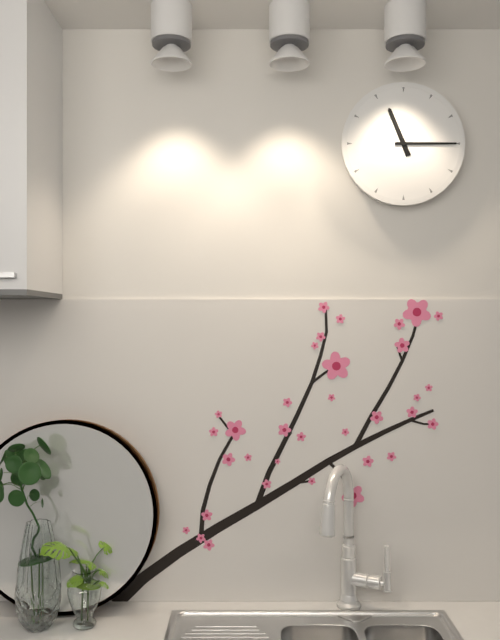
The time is h=11 m=15
